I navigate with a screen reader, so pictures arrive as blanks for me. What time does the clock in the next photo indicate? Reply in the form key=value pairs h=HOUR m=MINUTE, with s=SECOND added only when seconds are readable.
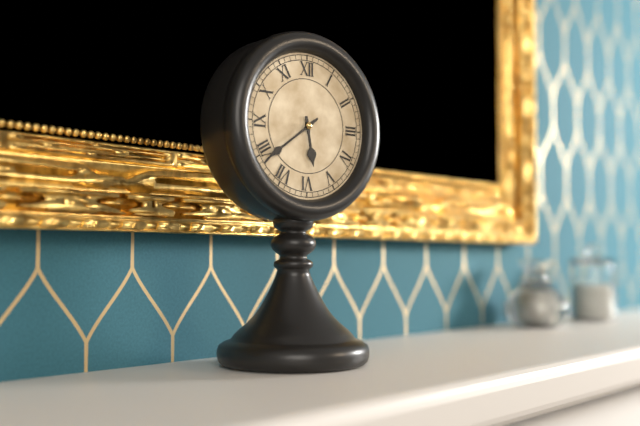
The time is h=5 m=39
